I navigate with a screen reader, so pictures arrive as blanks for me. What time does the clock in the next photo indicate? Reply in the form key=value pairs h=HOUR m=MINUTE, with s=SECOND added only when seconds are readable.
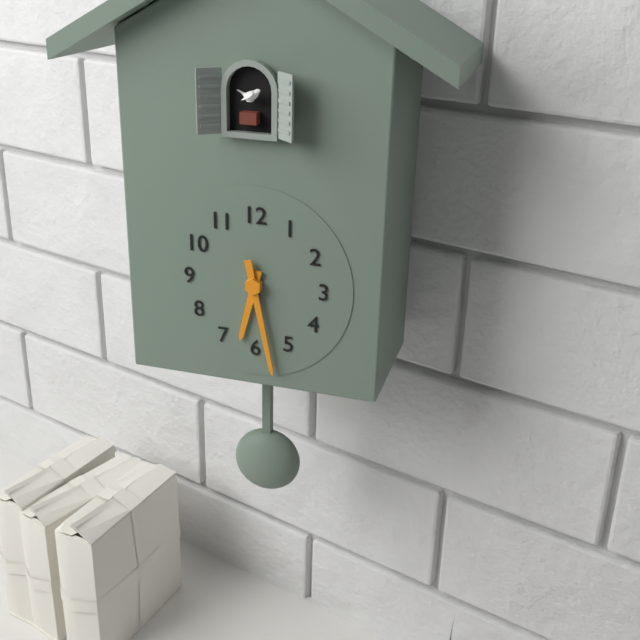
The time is h=6 m=28
